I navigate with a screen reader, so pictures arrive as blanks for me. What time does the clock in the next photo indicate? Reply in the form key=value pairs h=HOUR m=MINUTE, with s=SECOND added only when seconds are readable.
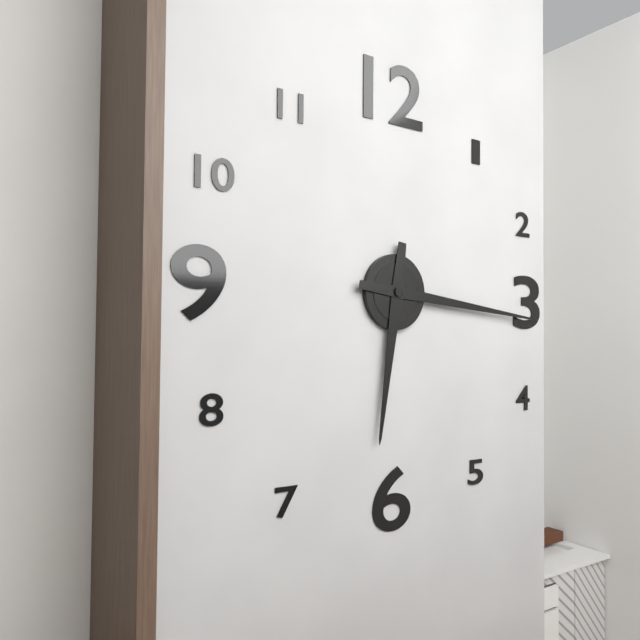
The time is h=6 m=16
